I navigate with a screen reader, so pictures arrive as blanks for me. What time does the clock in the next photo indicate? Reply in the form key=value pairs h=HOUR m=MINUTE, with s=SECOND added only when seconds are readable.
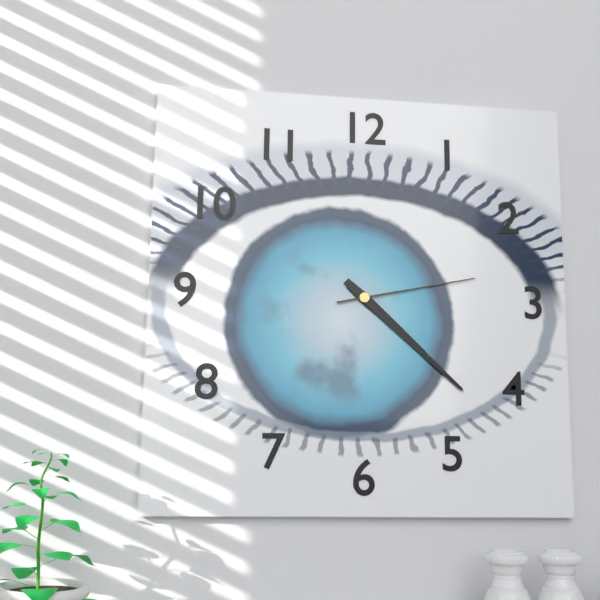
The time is h=4 m=22 s=13
